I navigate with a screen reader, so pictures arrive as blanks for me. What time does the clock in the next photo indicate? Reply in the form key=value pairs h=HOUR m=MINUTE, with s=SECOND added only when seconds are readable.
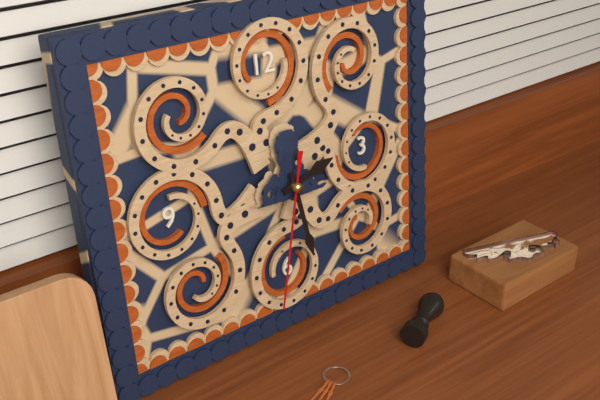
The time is h=2 m=28 s=32
